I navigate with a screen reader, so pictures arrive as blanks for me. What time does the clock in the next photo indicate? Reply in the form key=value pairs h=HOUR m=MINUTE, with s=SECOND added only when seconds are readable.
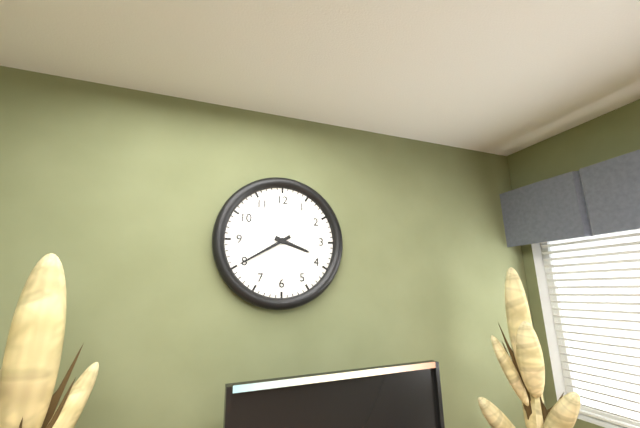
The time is h=3 m=40
